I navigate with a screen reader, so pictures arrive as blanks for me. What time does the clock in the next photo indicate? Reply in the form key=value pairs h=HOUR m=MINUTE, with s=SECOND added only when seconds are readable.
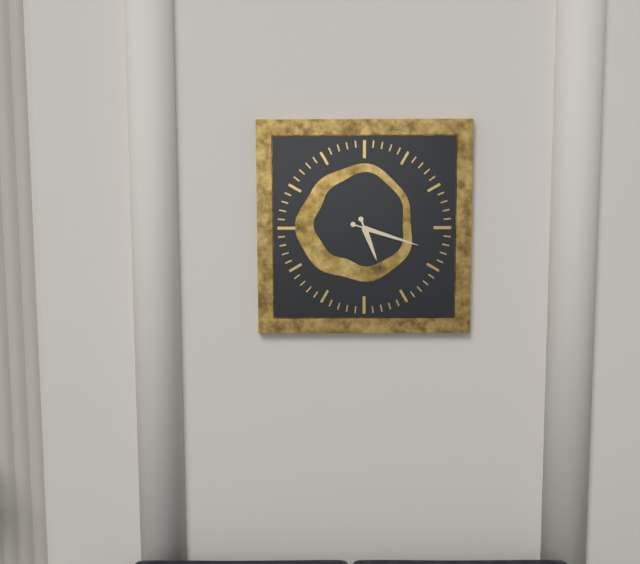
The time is h=5 m=18
